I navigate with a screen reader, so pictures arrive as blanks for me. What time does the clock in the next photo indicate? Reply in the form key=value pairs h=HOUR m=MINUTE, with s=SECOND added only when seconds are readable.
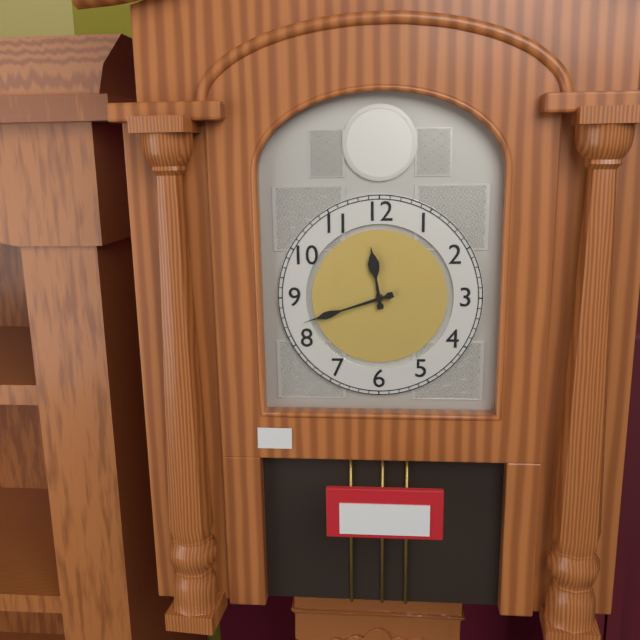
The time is h=11 m=42
